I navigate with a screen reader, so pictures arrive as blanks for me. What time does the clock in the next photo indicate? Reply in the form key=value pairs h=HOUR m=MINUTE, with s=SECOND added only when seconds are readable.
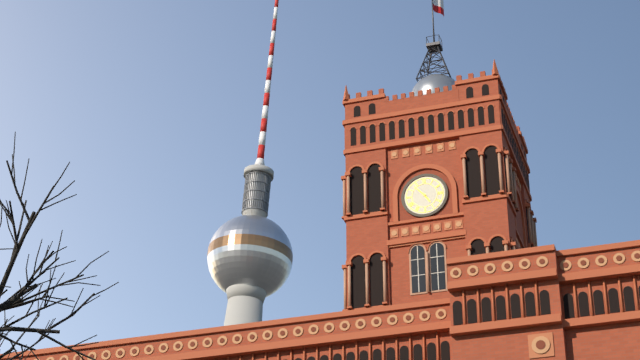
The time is h=4 m=53
